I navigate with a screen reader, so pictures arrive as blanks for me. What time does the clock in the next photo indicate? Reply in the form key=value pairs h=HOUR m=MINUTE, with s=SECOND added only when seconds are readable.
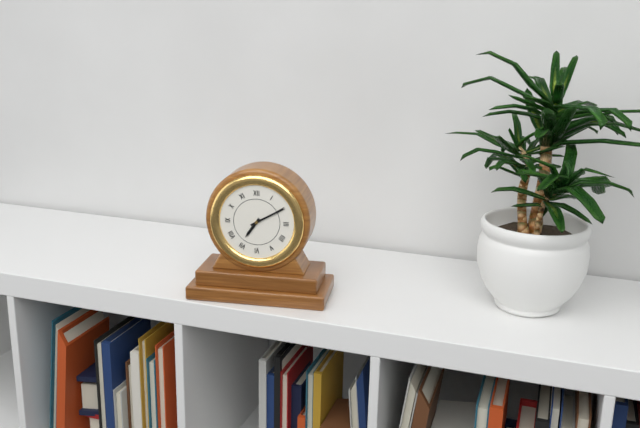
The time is h=7 m=10
